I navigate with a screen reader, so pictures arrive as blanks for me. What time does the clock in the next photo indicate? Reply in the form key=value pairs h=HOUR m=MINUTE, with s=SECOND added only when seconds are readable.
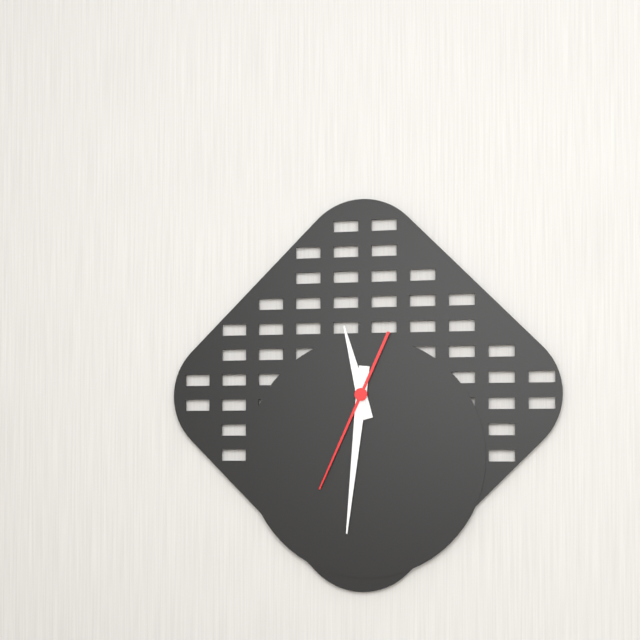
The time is h=11 m=31 s=34
